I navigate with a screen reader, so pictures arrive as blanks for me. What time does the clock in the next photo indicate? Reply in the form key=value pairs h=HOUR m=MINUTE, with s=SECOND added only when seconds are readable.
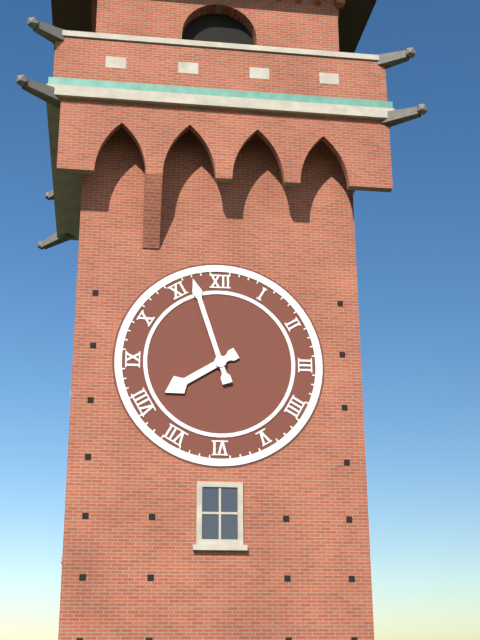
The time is h=7 m=57
